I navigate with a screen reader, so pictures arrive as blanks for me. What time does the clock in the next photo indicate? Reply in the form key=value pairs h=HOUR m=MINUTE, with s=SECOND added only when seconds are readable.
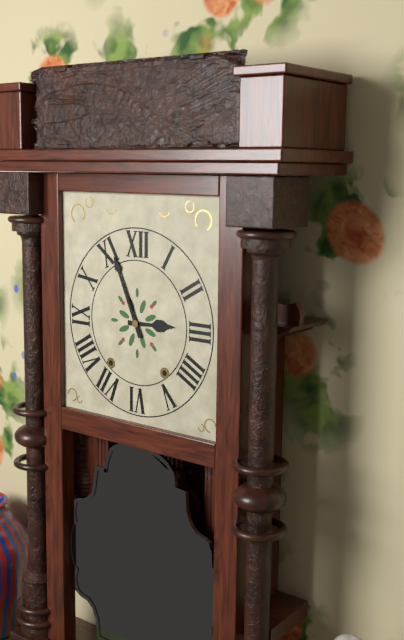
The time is h=2 m=56
